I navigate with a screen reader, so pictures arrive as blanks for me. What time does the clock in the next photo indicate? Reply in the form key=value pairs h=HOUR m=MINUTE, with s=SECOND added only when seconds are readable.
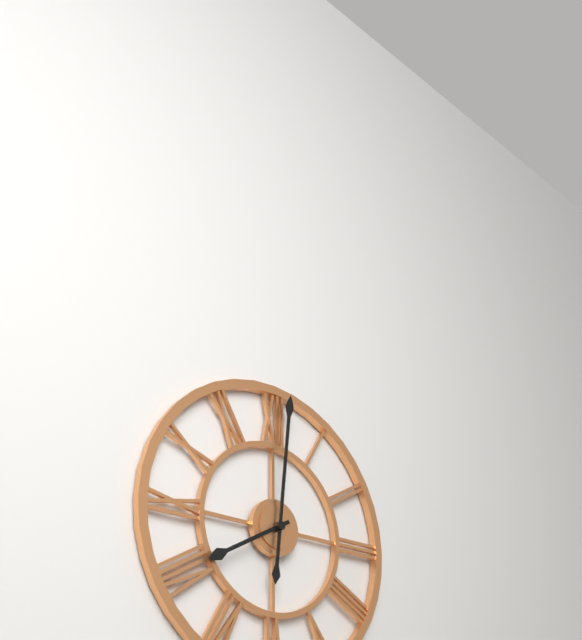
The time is h=8 m=1
